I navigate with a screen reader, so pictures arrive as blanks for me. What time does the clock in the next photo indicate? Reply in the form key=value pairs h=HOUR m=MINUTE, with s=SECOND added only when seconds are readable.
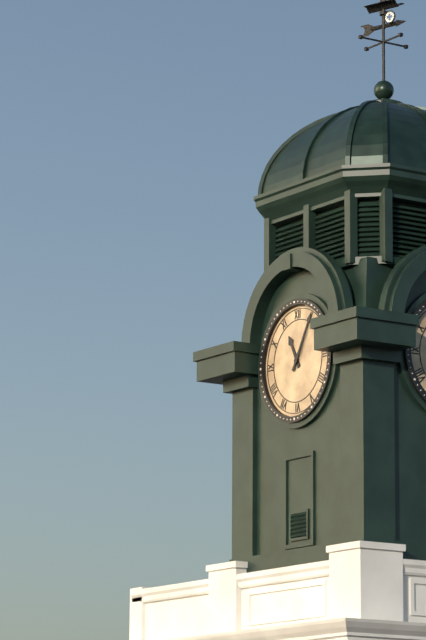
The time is h=11 m=5
